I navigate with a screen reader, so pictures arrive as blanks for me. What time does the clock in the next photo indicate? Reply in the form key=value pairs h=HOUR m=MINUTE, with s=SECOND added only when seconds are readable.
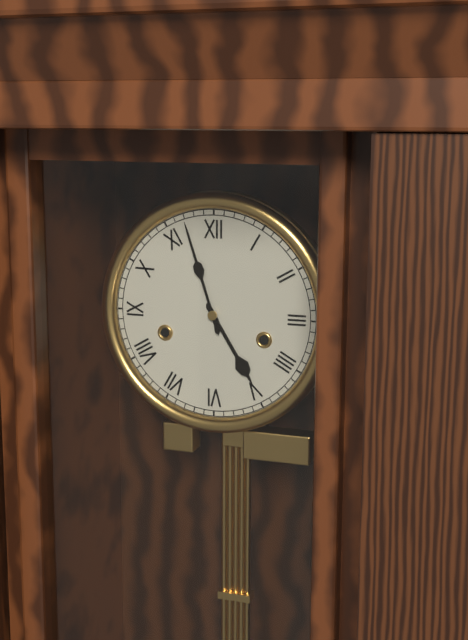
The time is h=4 m=57
